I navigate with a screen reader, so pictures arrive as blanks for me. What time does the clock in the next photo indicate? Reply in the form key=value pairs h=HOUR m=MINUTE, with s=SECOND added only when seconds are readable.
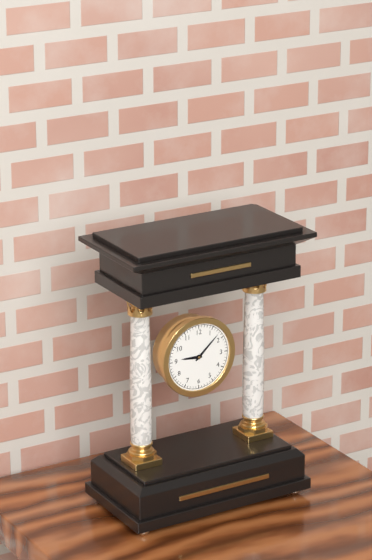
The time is h=9 m=8
